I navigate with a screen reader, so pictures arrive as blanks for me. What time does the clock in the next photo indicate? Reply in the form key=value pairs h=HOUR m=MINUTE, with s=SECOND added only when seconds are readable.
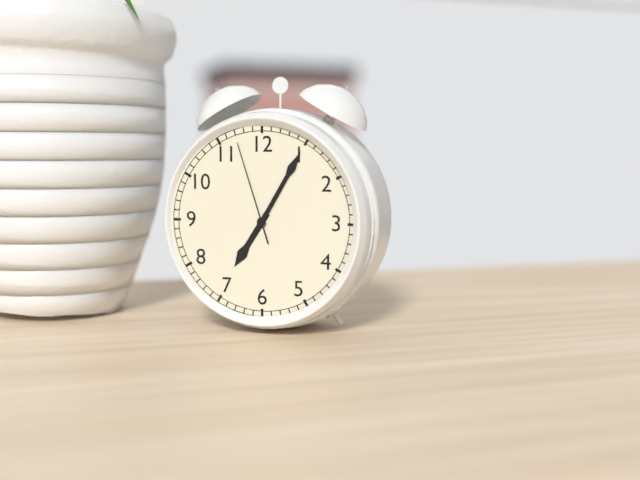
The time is h=7 m=5 s=57
